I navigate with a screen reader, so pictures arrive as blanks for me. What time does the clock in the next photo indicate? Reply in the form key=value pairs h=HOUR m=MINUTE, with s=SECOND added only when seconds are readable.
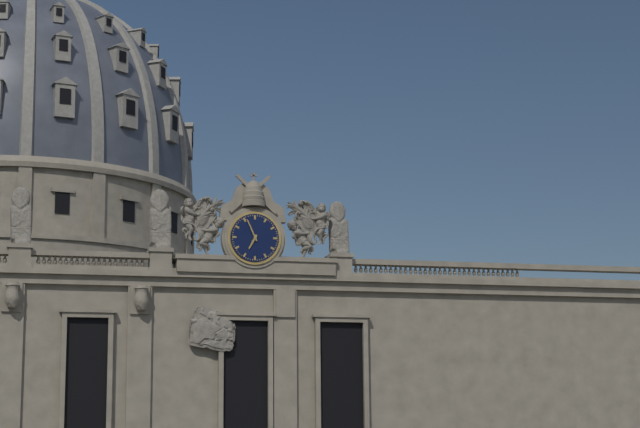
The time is h=6 m=56
